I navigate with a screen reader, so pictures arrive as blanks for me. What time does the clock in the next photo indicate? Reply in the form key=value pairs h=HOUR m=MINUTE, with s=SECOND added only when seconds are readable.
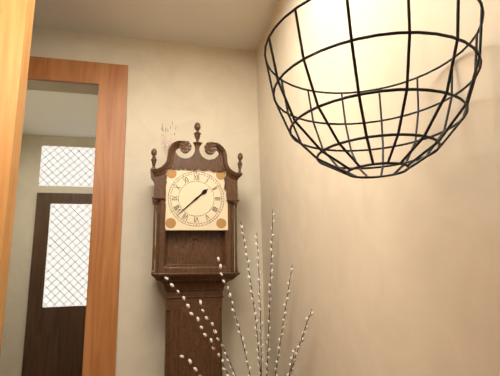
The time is h=1 m=38
